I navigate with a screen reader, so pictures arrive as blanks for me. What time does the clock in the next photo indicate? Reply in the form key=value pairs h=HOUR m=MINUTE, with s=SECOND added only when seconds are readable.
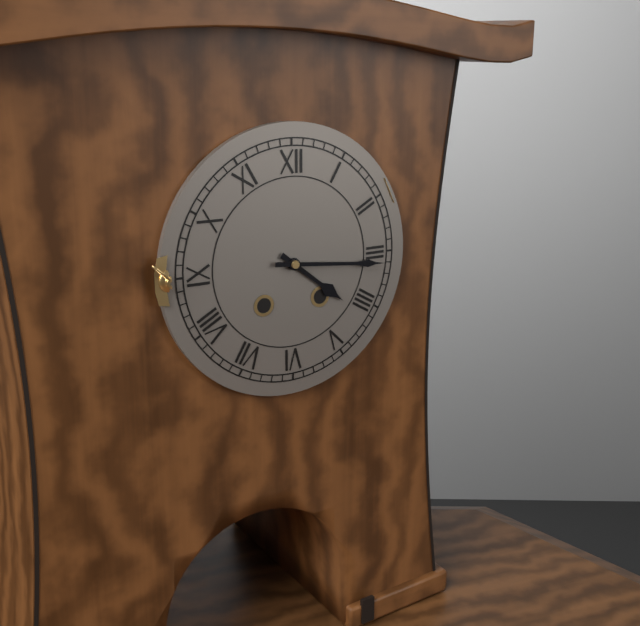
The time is h=4 m=16
